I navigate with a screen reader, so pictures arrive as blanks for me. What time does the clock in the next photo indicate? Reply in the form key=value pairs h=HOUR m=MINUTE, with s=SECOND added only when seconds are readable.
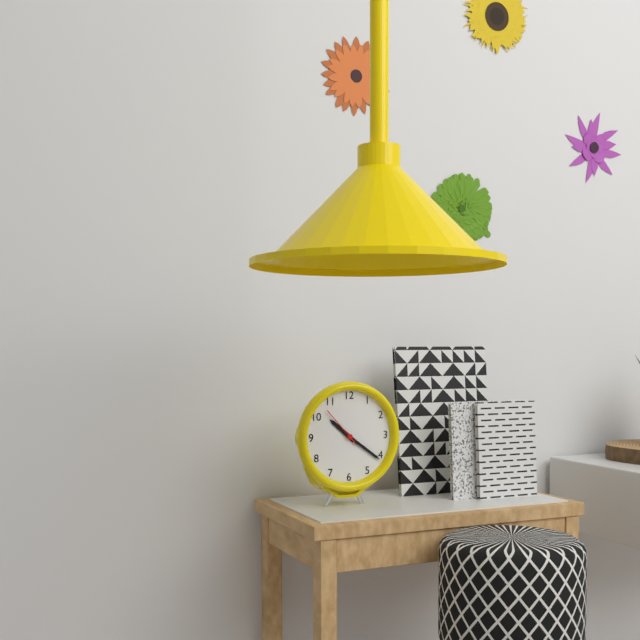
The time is h=10 m=21
